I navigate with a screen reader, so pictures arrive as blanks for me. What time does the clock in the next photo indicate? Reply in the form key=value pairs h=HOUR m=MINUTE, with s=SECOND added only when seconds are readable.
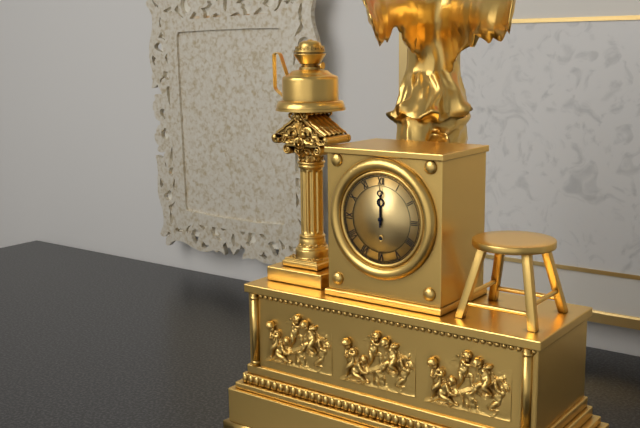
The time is h=12 m=0
